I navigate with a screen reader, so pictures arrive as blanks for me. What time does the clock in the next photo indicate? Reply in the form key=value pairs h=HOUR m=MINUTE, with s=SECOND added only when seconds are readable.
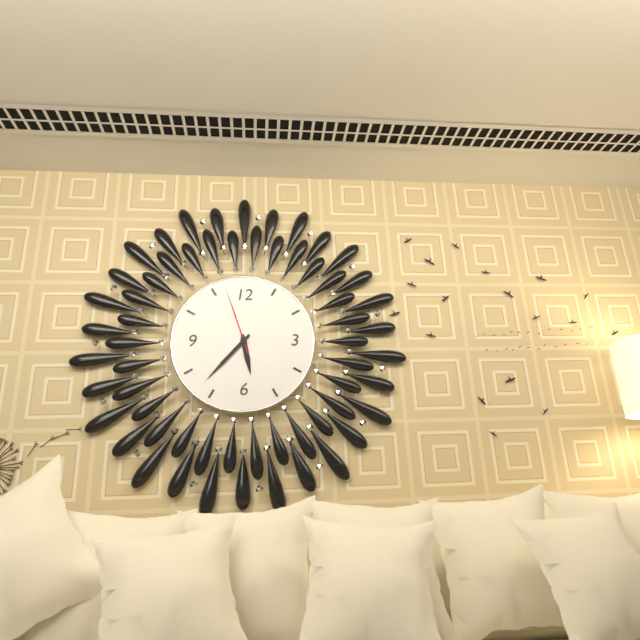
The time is h=5 m=37 s=57
